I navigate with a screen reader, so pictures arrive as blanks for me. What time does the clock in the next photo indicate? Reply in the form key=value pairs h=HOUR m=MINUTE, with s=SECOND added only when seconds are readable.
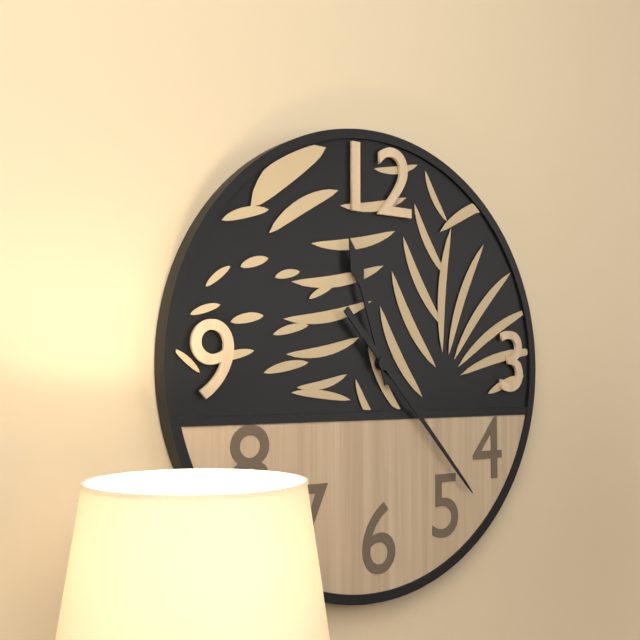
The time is h=11 m=23
